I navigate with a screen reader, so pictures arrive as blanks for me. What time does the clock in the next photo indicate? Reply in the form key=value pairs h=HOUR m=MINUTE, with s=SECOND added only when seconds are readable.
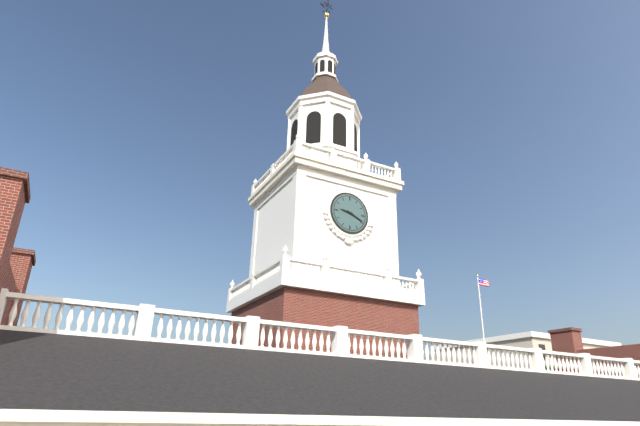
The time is h=9 m=19
